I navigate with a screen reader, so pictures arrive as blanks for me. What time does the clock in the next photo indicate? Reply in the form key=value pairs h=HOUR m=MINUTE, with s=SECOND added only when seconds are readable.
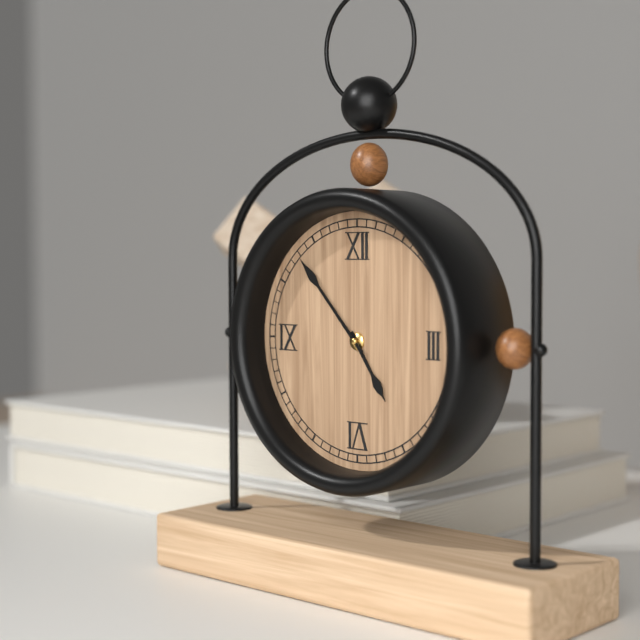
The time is h=4 m=53
